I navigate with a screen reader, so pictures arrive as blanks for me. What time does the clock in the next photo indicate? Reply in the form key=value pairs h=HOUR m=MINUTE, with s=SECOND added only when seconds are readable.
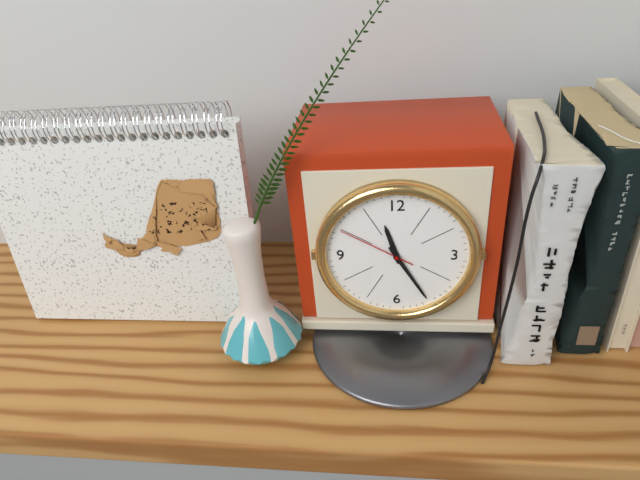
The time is h=11 m=25 s=50
